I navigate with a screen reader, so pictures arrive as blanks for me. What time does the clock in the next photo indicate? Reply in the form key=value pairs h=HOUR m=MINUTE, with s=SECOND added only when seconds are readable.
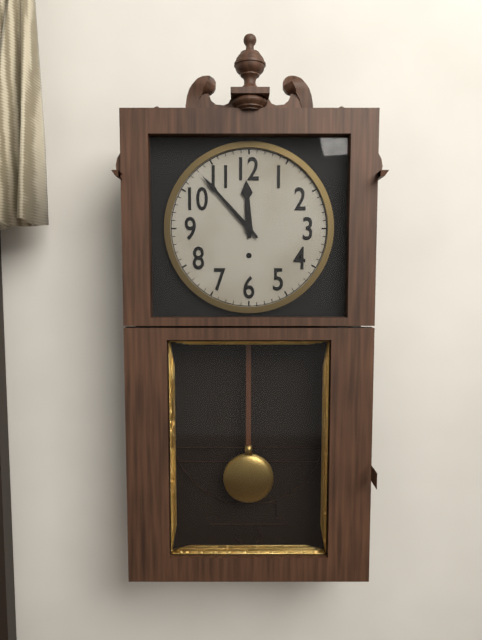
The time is h=11 m=53
